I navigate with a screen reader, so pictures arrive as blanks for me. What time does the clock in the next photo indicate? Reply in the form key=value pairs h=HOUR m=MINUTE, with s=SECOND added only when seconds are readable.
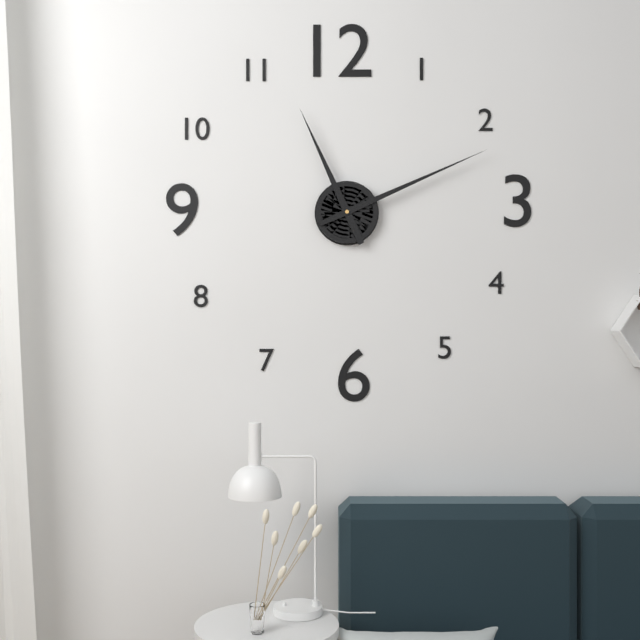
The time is h=11 m=11
